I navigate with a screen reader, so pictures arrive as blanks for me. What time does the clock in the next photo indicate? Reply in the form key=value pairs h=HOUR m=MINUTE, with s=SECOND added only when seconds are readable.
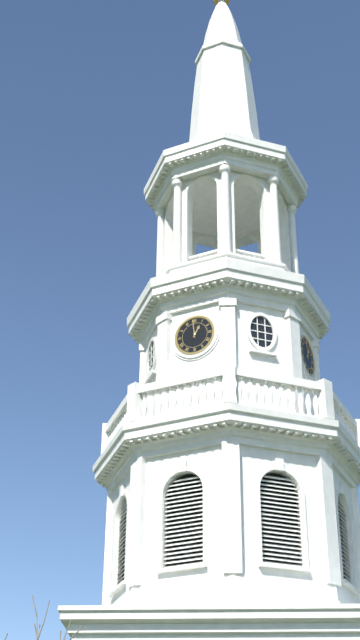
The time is h=12 m=59
